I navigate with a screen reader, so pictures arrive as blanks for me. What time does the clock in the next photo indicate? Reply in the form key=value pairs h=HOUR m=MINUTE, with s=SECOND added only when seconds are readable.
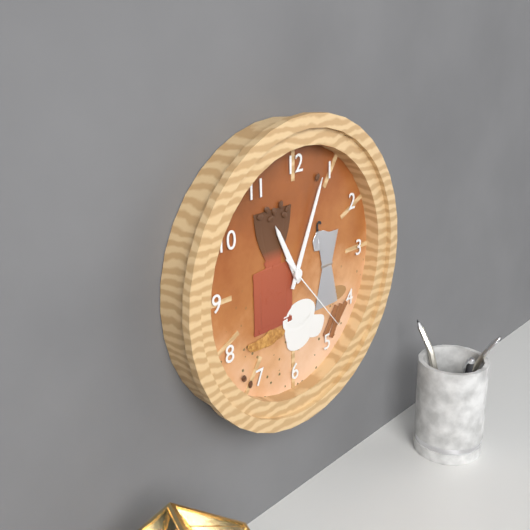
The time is h=11 m=4 s=23
